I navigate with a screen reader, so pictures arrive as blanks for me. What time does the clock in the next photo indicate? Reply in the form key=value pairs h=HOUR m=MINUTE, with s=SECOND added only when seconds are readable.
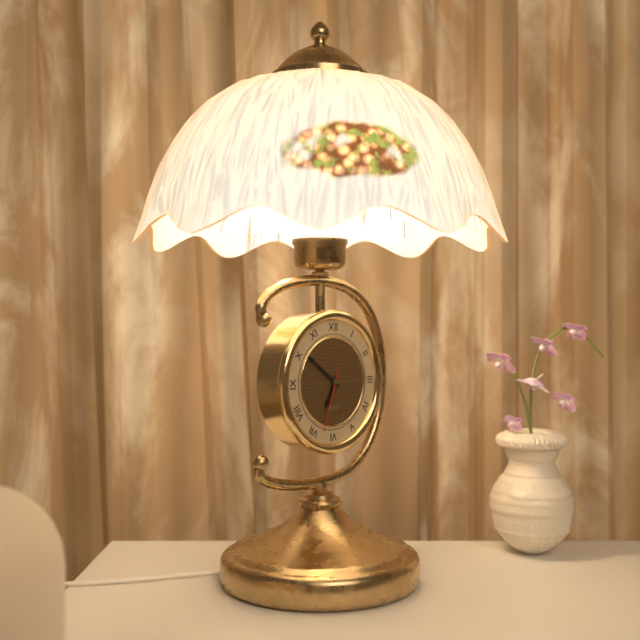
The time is h=6 m=51 s=33
